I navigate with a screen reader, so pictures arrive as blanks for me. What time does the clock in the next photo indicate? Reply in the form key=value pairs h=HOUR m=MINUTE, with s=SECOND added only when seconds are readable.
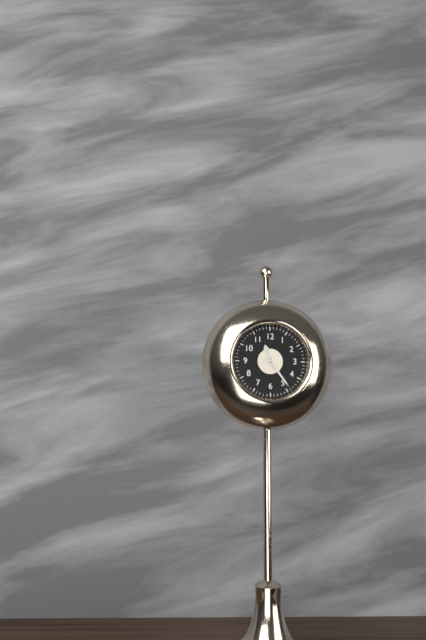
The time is h=11 m=24
